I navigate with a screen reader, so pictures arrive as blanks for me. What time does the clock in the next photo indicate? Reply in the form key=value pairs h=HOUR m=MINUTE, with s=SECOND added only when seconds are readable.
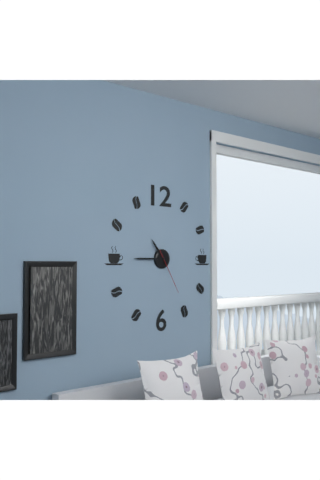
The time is h=10 m=45
